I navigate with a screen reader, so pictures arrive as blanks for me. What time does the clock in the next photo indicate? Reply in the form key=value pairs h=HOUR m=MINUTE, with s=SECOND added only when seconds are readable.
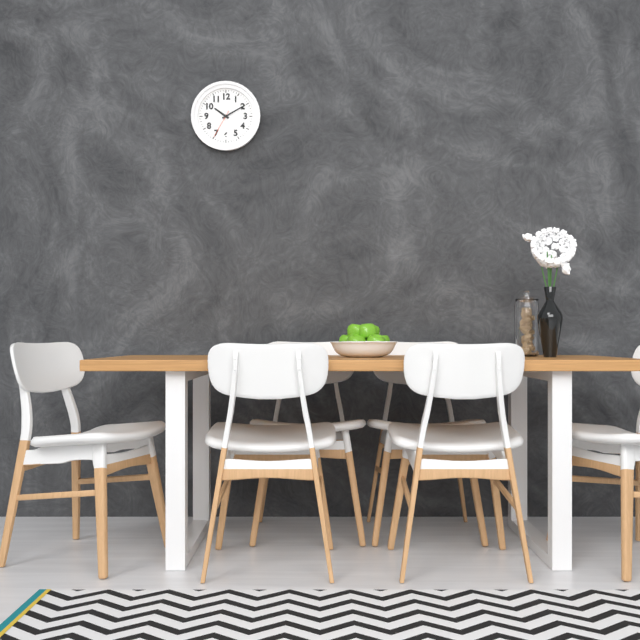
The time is h=10 m=10
